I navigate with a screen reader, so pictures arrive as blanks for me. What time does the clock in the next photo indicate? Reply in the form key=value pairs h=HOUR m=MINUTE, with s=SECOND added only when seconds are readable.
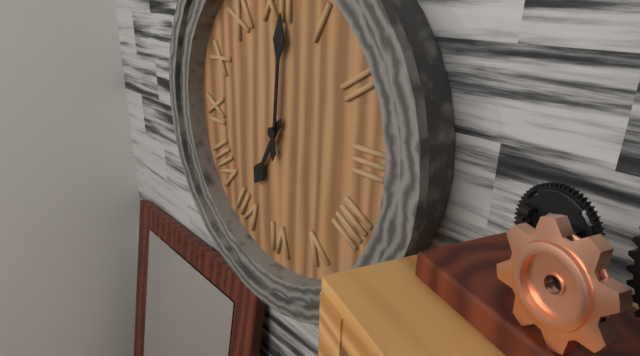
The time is h=7 m=1
